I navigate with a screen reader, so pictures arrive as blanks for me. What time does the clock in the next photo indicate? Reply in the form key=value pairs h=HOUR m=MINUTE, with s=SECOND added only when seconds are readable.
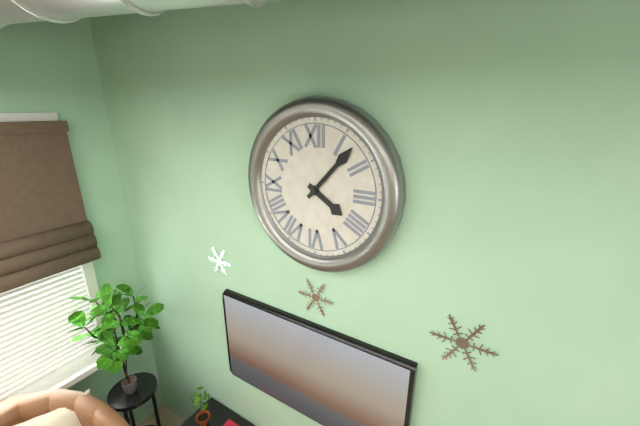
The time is h=4 m=7
